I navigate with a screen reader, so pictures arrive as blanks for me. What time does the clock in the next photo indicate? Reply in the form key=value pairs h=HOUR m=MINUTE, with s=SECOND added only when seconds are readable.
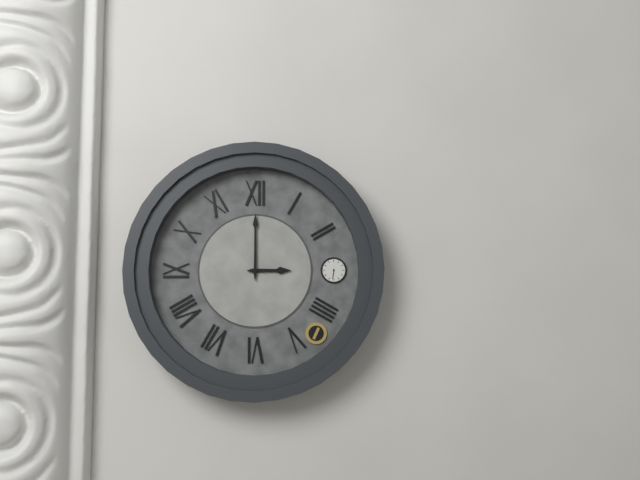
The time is h=3 m=0
